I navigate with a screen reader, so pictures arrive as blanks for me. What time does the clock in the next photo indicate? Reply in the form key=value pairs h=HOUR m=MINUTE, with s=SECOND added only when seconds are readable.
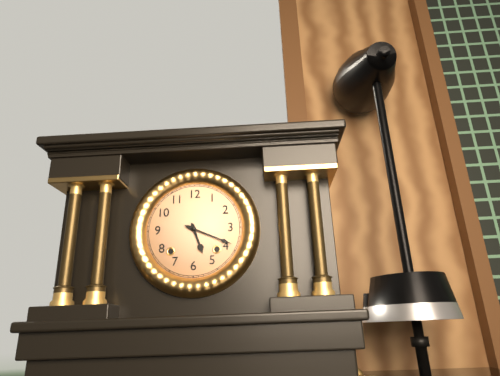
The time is h=5 m=19
